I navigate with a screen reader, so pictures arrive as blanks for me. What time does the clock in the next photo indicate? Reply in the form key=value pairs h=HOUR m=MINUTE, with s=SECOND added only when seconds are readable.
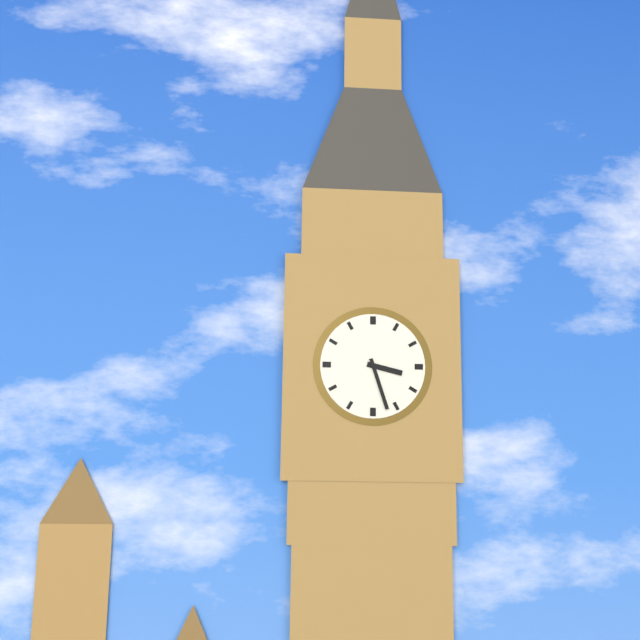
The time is h=3 m=27
